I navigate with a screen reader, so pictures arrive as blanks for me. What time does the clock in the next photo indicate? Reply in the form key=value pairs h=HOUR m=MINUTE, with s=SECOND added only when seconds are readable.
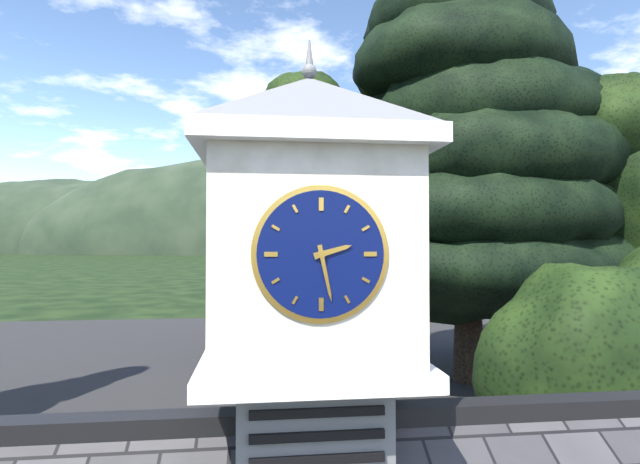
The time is h=2 m=28
